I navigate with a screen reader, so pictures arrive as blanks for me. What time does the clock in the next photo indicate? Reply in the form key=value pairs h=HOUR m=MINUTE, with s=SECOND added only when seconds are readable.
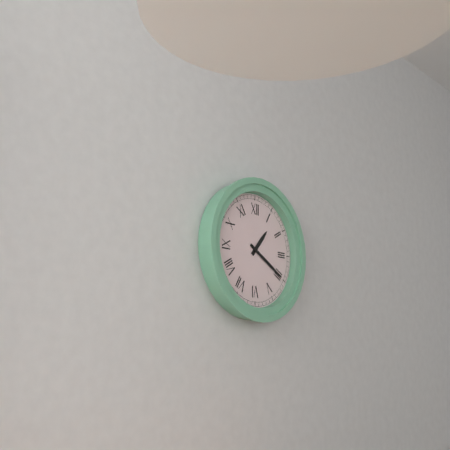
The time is h=1 m=20
